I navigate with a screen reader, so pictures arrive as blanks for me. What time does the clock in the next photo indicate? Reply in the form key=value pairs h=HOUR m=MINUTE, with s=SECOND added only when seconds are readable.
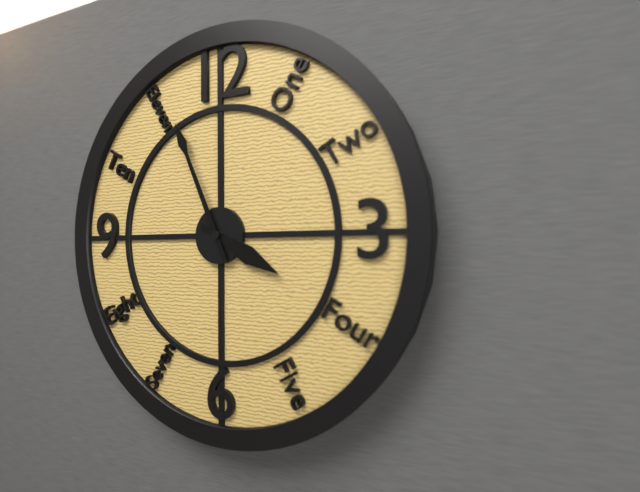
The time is h=3 m=56
